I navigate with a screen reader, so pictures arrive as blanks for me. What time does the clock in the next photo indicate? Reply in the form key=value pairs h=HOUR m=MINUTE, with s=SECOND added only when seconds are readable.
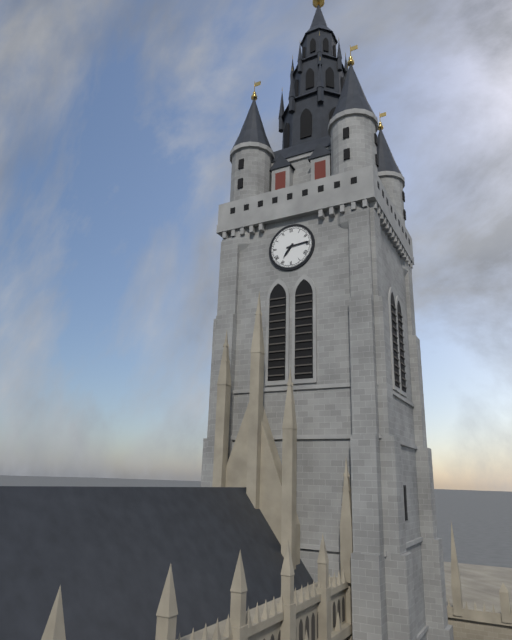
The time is h=7 m=14
